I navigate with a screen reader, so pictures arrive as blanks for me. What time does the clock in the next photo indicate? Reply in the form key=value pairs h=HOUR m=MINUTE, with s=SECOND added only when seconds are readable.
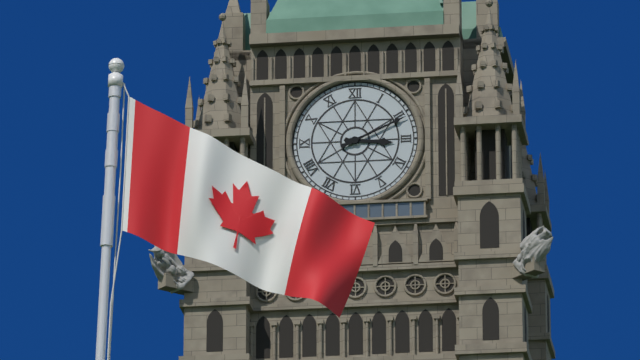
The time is h=3 m=11
